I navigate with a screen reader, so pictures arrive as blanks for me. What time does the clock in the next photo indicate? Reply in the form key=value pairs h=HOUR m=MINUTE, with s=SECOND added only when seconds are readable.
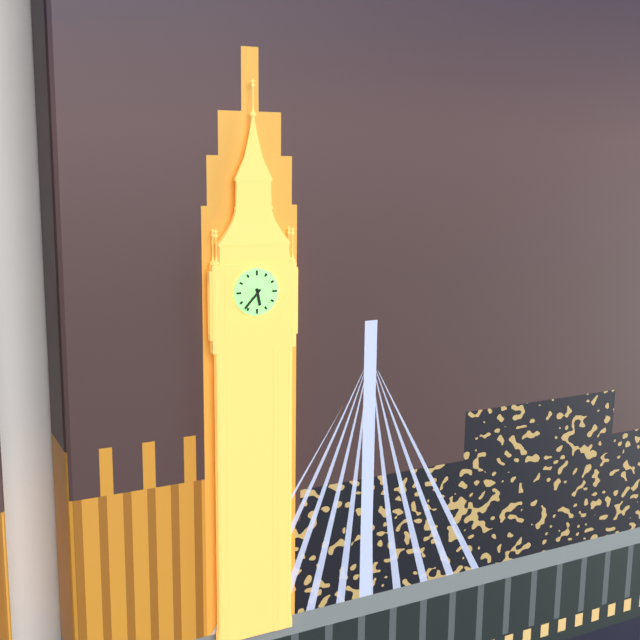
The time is h=5 m=37
